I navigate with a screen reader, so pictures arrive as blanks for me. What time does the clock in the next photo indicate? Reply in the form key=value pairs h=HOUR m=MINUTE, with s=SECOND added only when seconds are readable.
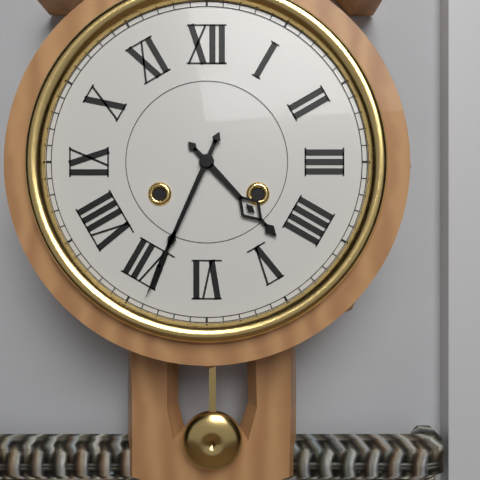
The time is h=4 m=34
